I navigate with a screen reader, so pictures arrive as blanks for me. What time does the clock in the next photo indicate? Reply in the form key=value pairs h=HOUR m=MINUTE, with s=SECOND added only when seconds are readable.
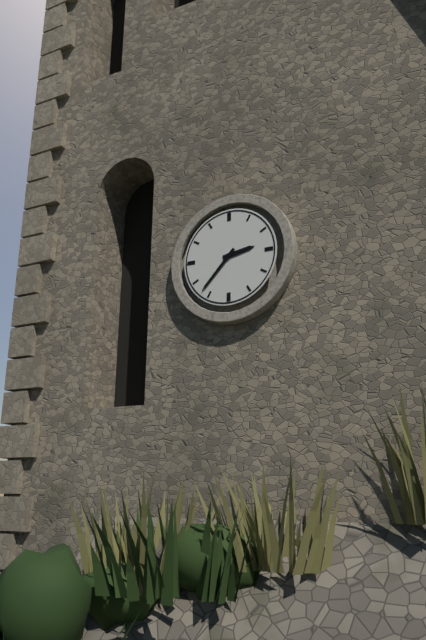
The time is h=2 m=37
